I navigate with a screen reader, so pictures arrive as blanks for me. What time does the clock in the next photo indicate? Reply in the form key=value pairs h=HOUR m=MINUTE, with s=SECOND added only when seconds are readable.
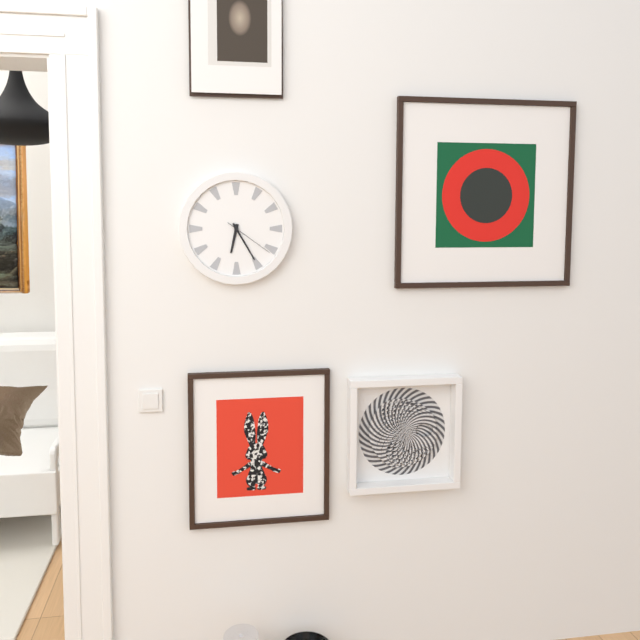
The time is h=6 m=25 s=21
